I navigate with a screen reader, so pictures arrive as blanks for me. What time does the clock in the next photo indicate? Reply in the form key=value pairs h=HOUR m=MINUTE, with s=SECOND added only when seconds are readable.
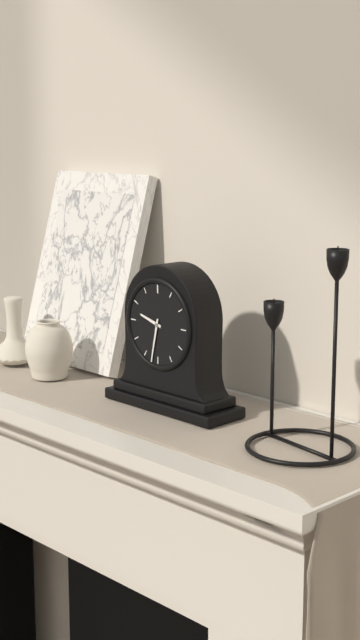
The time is h=9 m=32
